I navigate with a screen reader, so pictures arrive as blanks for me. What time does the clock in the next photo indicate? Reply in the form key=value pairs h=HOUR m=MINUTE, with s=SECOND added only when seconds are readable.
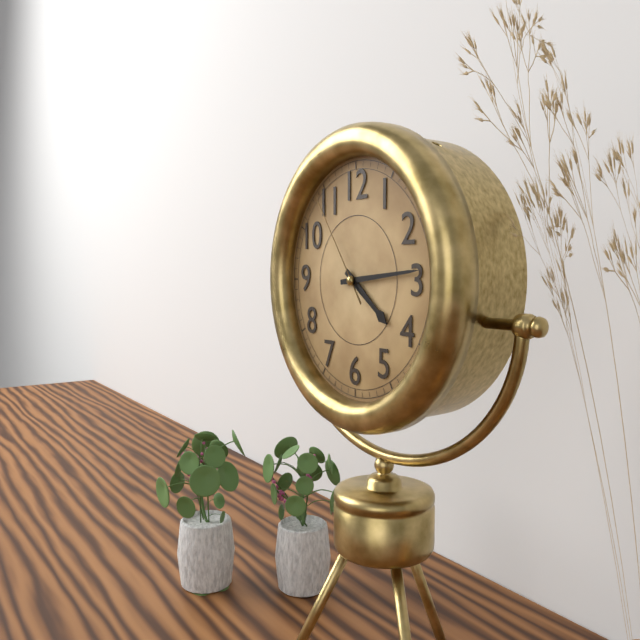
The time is h=4 m=14 s=54
